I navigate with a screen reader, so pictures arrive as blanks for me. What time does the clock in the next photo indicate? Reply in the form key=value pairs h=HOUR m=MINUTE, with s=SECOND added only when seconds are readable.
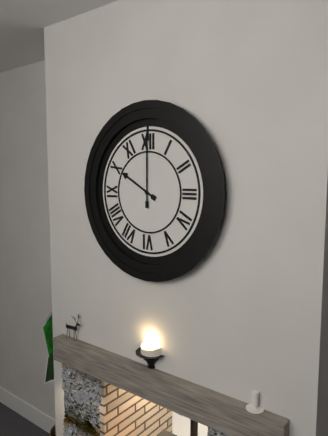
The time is h=10 m=0
